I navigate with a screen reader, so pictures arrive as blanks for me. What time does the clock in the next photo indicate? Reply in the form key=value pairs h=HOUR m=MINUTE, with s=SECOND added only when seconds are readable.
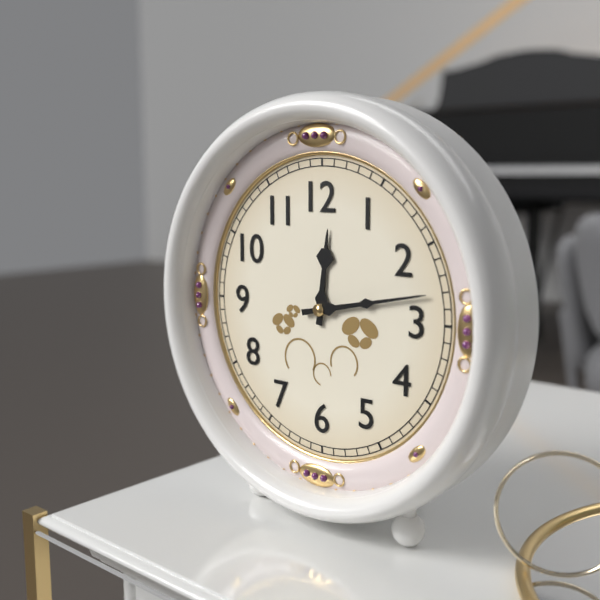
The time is h=12 m=13
